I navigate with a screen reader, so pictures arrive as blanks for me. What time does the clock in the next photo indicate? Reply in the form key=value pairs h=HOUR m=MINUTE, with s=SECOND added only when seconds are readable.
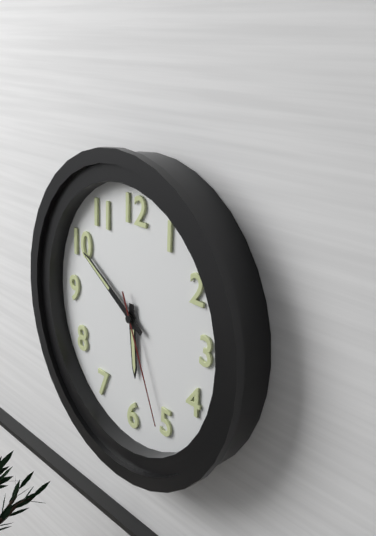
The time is h=5 m=50 s=26
